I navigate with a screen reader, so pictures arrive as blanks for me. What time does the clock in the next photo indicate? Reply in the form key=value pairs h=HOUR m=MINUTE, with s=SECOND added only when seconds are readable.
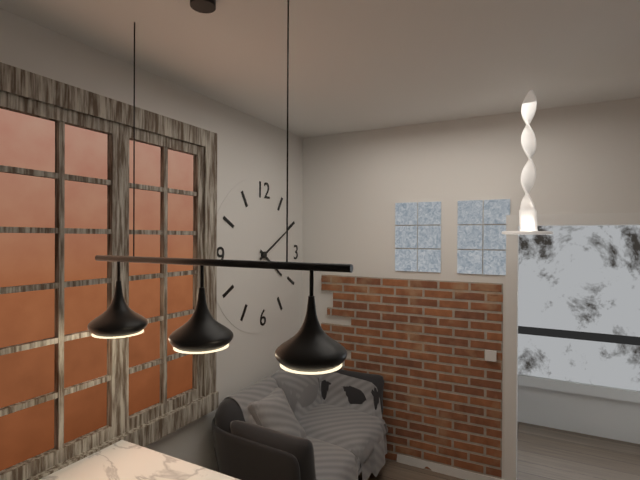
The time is h=4 m=10
